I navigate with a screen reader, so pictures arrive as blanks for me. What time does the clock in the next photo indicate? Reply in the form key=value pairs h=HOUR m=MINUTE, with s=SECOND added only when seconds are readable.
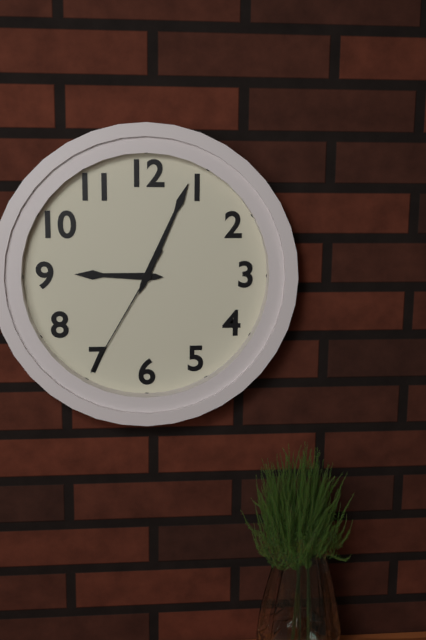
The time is h=9 m=4 s=35
